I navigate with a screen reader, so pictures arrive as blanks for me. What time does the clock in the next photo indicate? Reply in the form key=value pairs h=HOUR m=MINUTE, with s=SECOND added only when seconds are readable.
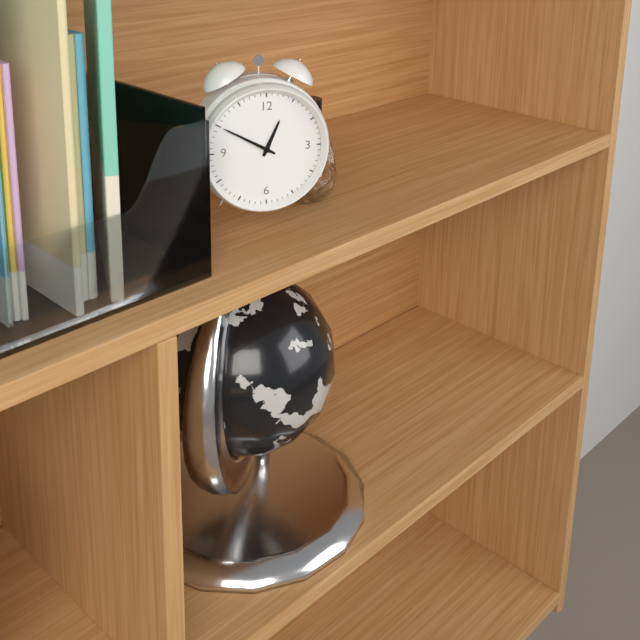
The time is h=12 m=50
